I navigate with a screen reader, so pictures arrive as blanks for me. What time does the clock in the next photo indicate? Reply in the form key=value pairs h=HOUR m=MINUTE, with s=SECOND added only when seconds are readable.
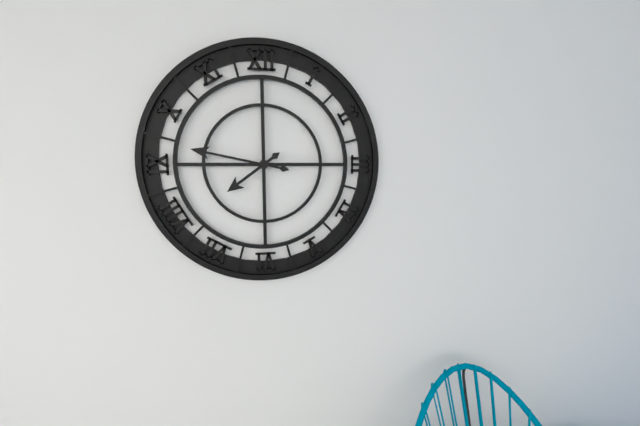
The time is h=7 m=47
